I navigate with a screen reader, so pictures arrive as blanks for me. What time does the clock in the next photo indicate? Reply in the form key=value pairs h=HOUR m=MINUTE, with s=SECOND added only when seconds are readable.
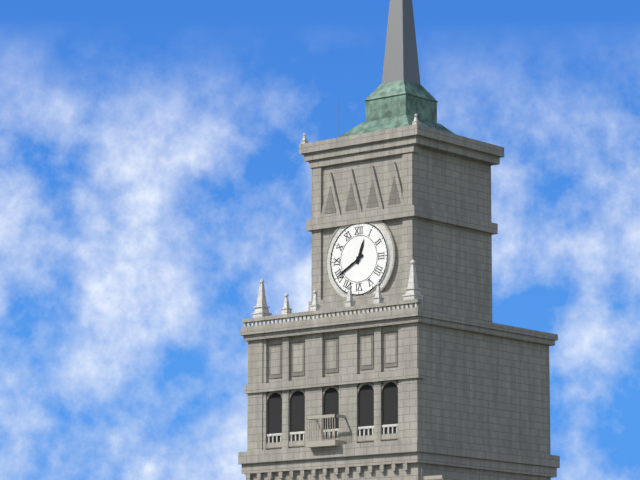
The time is h=12 m=40
